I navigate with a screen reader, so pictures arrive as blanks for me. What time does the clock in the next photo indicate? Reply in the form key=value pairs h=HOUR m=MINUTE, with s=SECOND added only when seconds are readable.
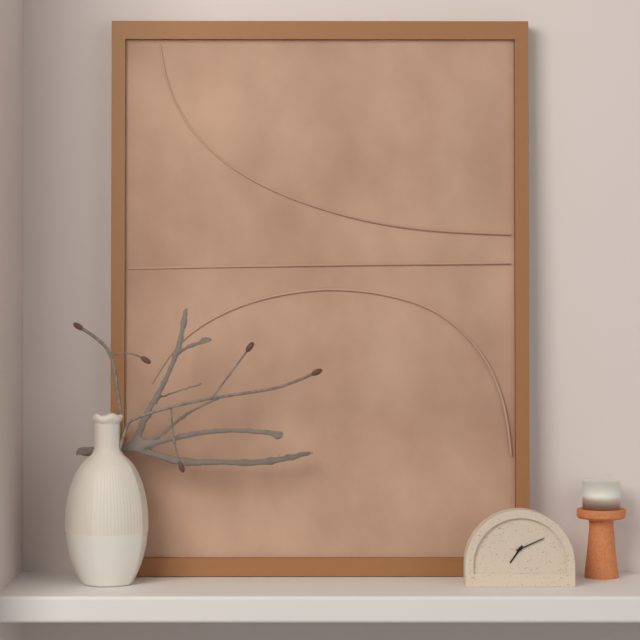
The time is h=7 m=11
